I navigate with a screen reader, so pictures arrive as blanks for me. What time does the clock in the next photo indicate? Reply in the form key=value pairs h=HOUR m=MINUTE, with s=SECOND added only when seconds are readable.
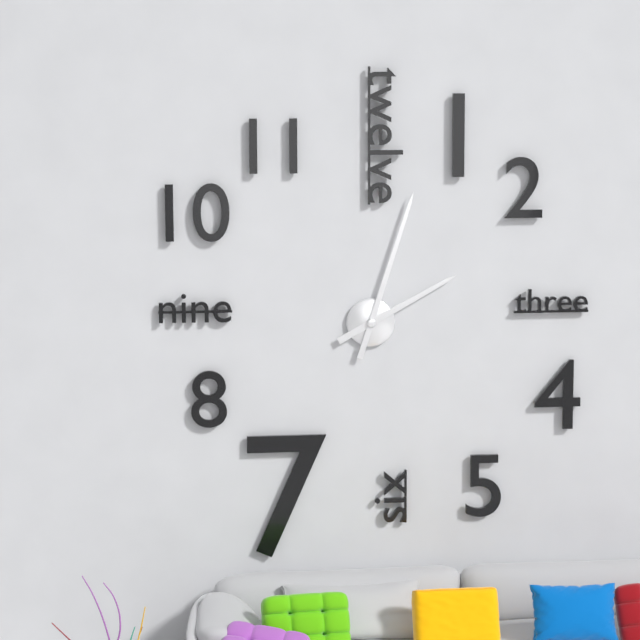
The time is h=2 m=3
